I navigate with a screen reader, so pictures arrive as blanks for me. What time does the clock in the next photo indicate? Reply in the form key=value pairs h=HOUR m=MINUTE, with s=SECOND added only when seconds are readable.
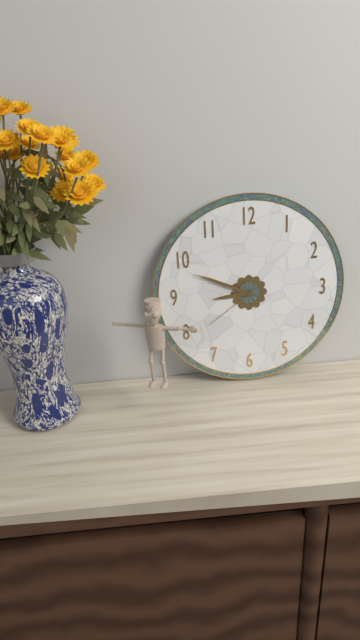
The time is h=8 m=49 s=39
